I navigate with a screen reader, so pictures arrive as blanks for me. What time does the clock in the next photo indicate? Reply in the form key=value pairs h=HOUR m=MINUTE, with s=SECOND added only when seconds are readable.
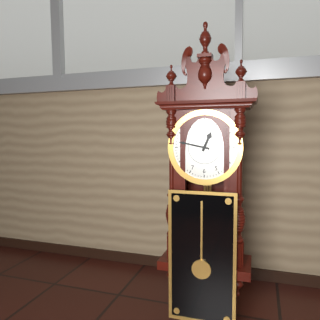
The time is h=12 m=47
